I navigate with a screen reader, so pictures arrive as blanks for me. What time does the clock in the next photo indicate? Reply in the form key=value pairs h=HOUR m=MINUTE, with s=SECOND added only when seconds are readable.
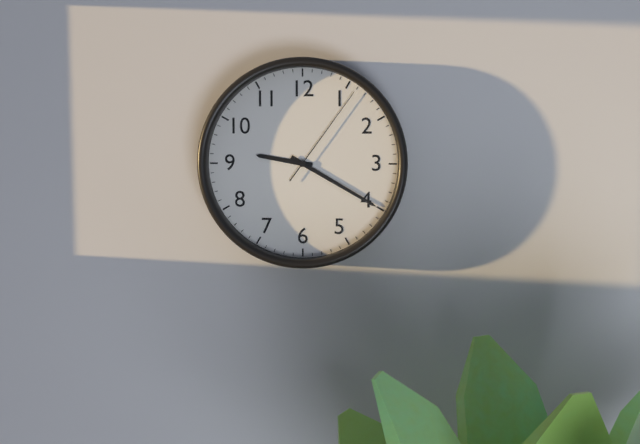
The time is h=9 m=20 s=6
